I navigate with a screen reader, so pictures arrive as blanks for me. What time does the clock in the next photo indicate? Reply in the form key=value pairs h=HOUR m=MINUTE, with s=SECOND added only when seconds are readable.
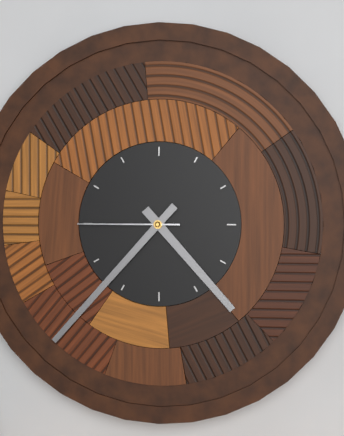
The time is h=4 m=37 s=45
